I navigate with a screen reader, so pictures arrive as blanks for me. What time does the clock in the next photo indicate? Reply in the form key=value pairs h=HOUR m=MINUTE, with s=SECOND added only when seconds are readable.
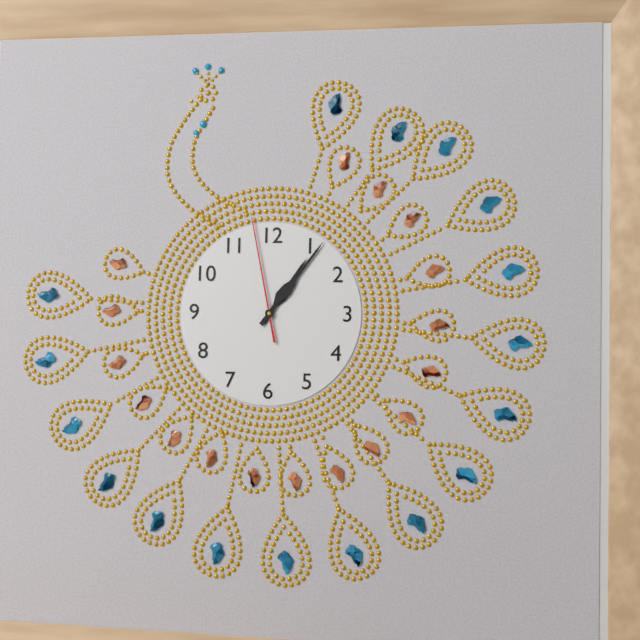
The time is h=1 m=6 s=58
